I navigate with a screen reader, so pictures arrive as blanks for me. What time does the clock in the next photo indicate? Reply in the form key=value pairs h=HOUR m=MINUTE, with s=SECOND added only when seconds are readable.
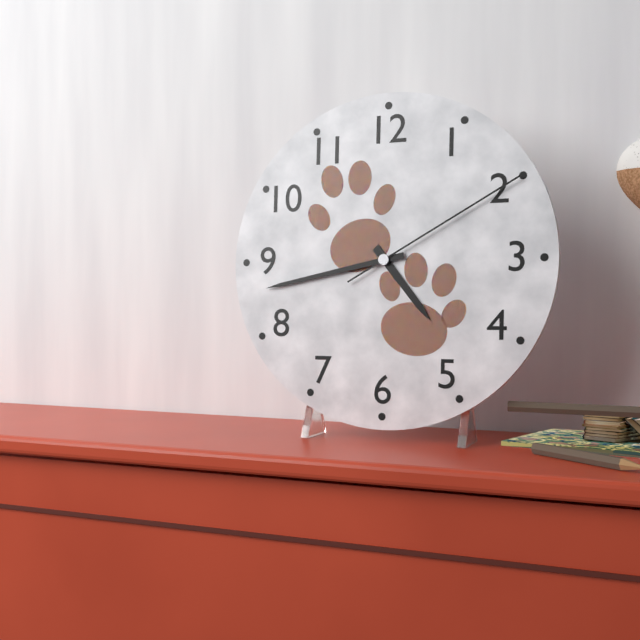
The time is h=4 m=43 s=10
